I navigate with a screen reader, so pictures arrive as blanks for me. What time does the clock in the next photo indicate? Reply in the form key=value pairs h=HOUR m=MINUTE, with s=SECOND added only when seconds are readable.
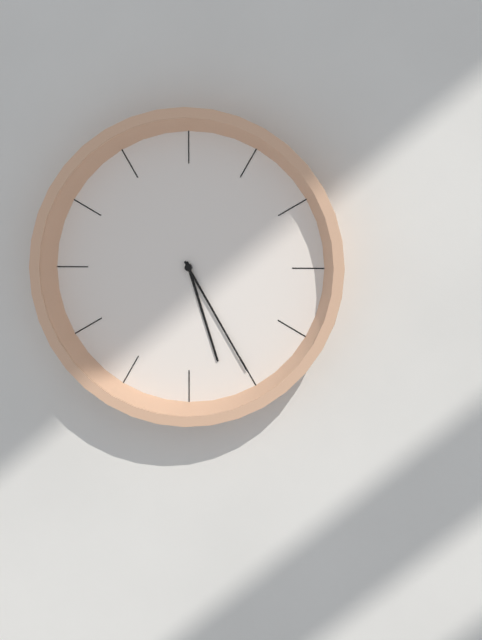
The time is h=5 m=25
